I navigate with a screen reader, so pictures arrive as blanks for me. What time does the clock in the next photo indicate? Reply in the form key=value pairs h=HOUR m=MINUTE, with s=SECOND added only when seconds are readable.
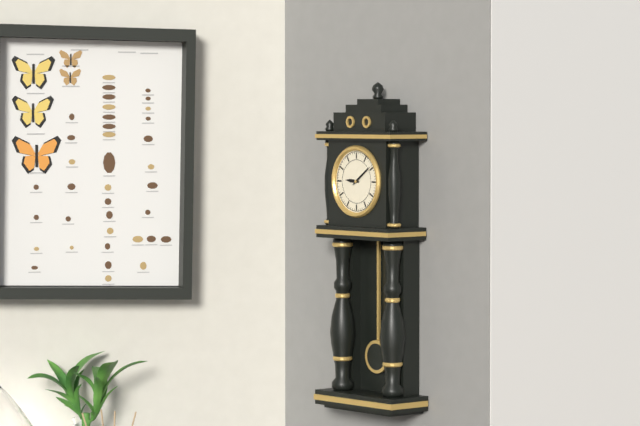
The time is h=9 m=9
